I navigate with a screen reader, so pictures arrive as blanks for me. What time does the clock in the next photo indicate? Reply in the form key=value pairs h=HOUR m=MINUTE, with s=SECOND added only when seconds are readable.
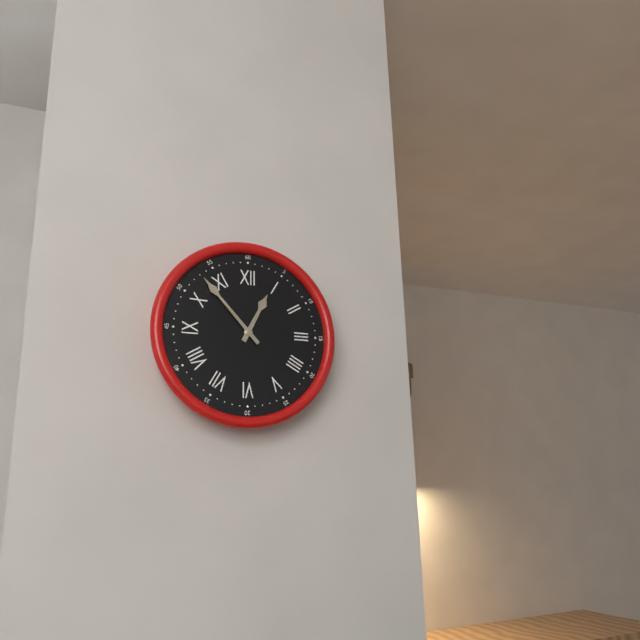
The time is h=12 m=53
